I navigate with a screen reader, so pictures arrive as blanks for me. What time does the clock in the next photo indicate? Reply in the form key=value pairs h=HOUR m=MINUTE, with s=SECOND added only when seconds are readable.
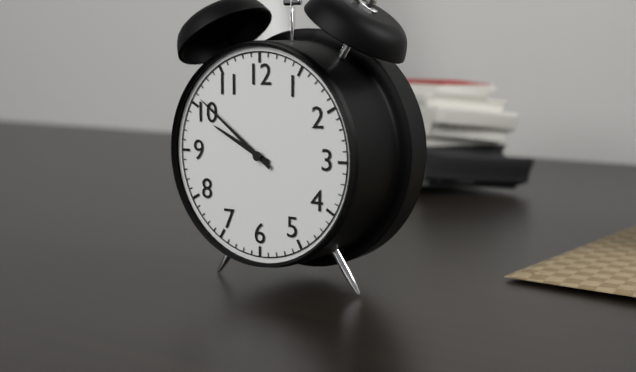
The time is h=9 m=51
